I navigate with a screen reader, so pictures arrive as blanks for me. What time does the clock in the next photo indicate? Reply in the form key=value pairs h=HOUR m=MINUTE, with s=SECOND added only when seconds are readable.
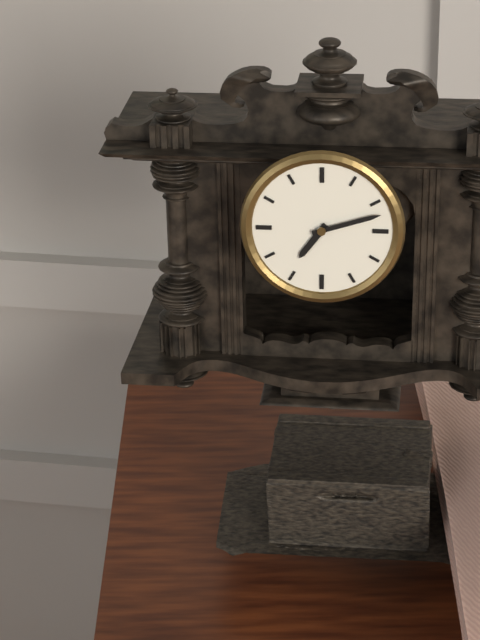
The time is h=7 m=12
